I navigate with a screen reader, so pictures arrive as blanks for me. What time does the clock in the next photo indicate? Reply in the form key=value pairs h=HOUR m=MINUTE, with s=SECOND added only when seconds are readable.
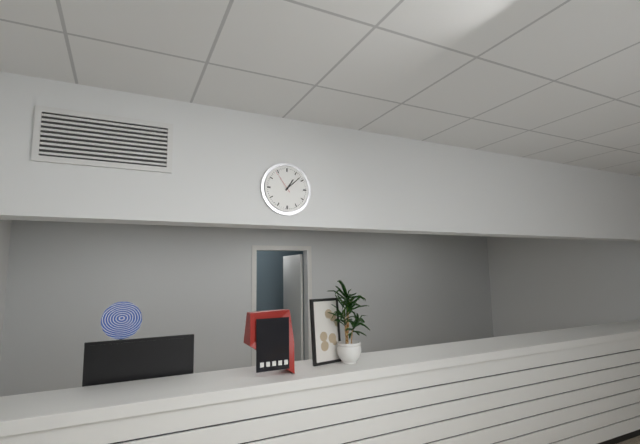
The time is h=1 m=8
